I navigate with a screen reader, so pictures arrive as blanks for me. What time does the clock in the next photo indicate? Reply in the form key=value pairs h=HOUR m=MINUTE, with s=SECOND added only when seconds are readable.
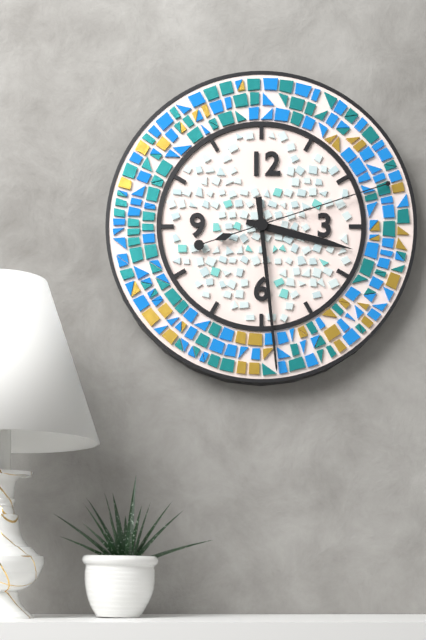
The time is h=3 m=29 s=12
